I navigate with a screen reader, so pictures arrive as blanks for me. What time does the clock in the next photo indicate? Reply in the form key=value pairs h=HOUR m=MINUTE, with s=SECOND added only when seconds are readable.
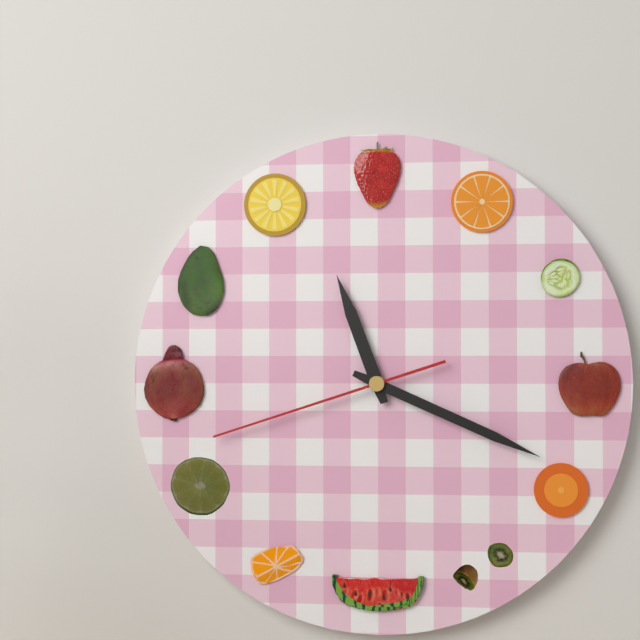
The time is h=11 m=19 s=42
